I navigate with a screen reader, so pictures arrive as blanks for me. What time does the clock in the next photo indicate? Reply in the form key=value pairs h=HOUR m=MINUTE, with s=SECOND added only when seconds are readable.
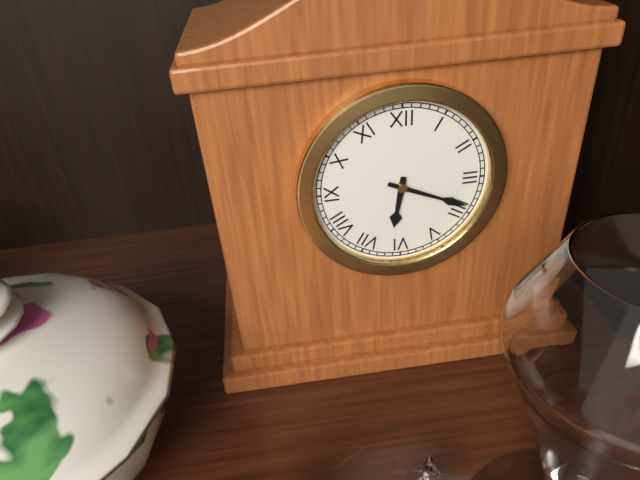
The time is h=6 m=19
